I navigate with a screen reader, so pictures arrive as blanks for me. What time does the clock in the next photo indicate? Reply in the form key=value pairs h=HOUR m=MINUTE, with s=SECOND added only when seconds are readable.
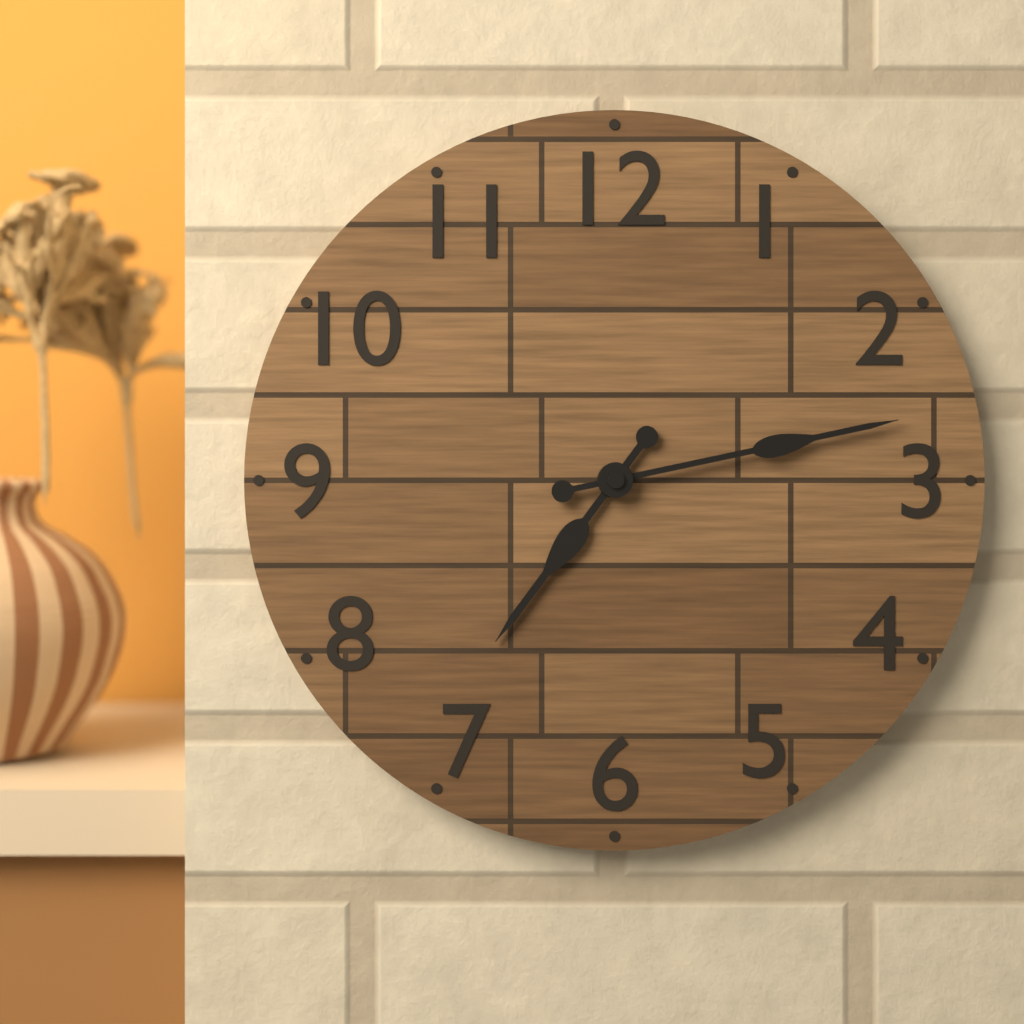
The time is h=7 m=13
